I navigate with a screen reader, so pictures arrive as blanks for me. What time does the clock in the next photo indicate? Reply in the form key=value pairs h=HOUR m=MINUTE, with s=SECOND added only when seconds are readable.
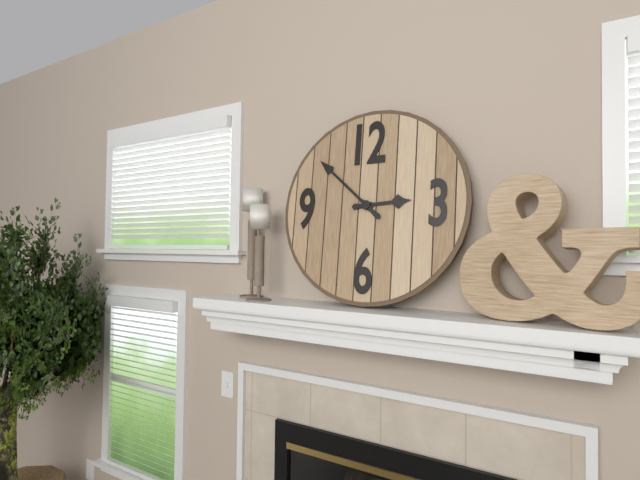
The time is h=2 m=52
